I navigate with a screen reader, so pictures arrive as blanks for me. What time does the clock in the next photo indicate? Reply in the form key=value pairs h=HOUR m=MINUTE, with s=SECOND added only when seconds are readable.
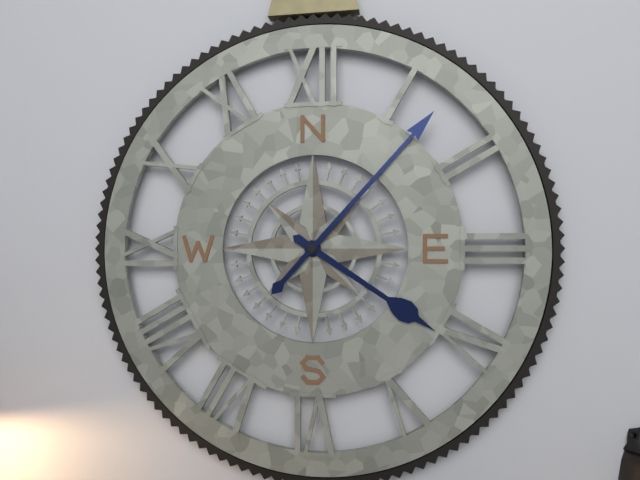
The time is h=4 m=7
